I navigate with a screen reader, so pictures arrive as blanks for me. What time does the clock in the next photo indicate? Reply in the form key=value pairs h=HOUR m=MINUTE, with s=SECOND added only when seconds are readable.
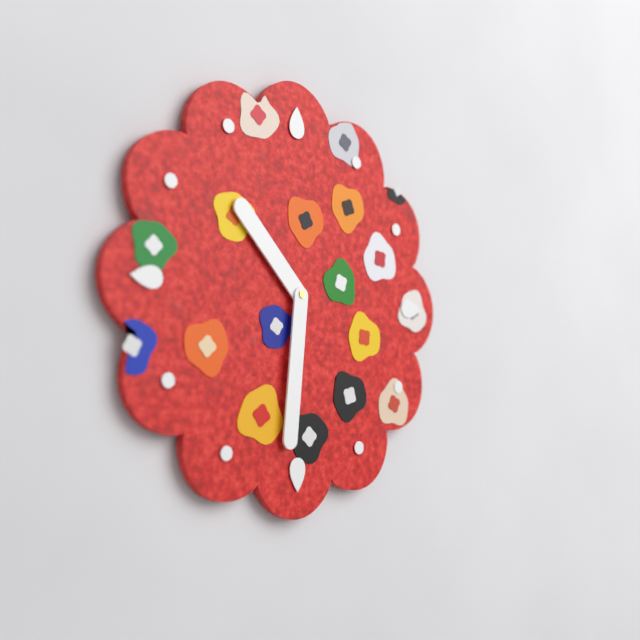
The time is h=10 m=31
